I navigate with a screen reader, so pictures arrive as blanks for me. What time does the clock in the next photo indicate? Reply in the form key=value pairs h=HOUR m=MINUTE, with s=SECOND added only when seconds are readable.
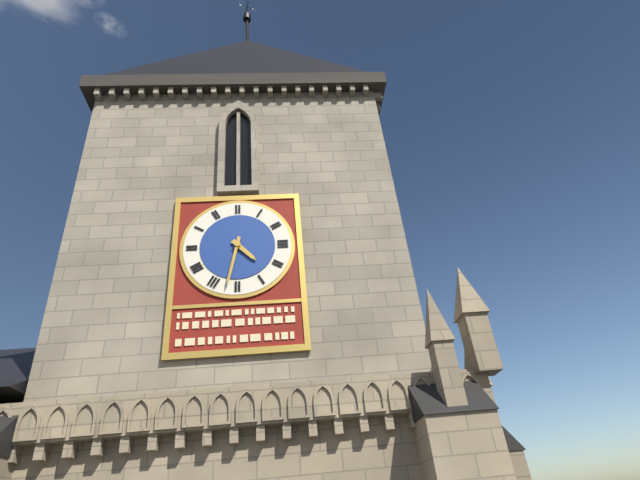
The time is h=4 m=32
